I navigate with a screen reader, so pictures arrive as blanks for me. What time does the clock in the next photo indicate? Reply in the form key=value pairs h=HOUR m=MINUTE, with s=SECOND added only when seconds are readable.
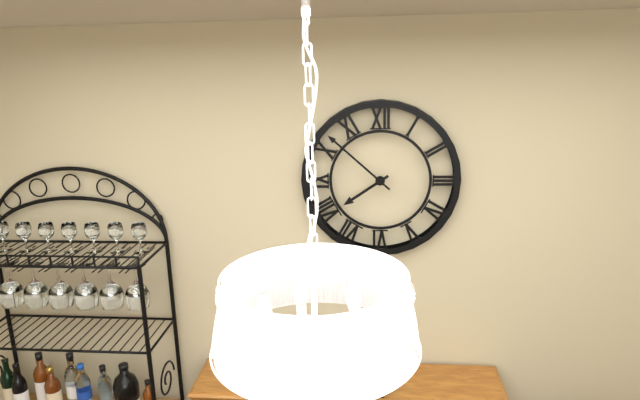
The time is h=7 m=52
